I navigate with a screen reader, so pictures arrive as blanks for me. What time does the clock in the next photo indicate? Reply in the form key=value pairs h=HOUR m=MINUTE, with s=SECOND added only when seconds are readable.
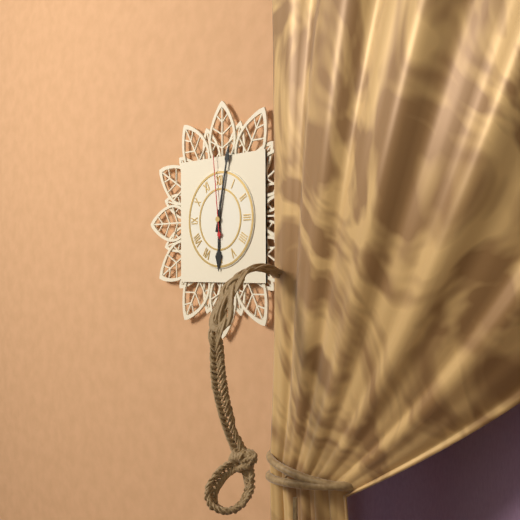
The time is h=6 m=2 s=59
